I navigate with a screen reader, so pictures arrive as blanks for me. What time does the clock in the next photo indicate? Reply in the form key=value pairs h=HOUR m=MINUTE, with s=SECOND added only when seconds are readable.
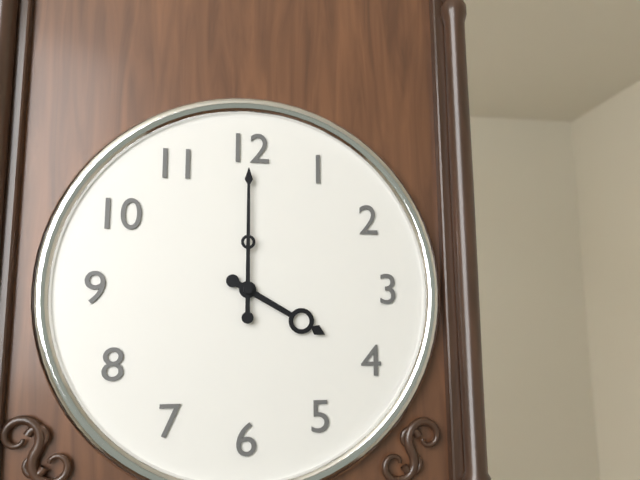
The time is h=4 m=0
